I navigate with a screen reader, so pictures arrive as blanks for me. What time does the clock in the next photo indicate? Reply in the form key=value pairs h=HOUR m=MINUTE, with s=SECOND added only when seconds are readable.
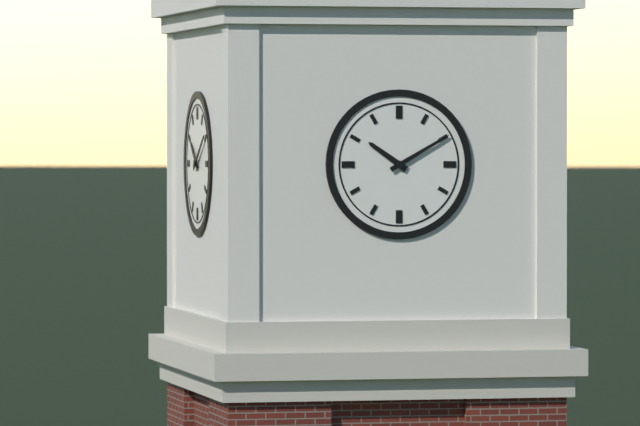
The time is h=10 m=10
